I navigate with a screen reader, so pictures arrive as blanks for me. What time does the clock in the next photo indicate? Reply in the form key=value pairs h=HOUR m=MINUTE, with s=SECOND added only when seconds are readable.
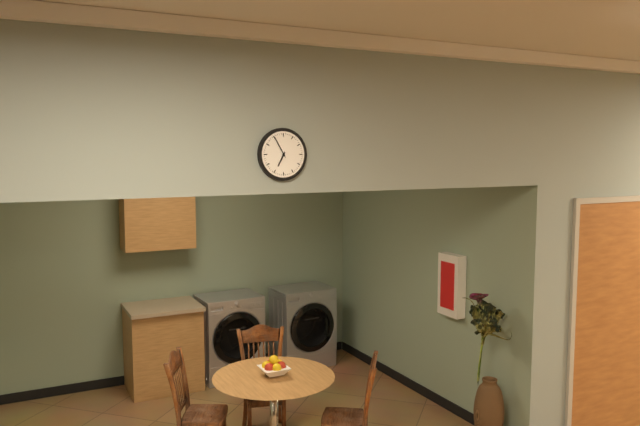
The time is h=6 m=55
